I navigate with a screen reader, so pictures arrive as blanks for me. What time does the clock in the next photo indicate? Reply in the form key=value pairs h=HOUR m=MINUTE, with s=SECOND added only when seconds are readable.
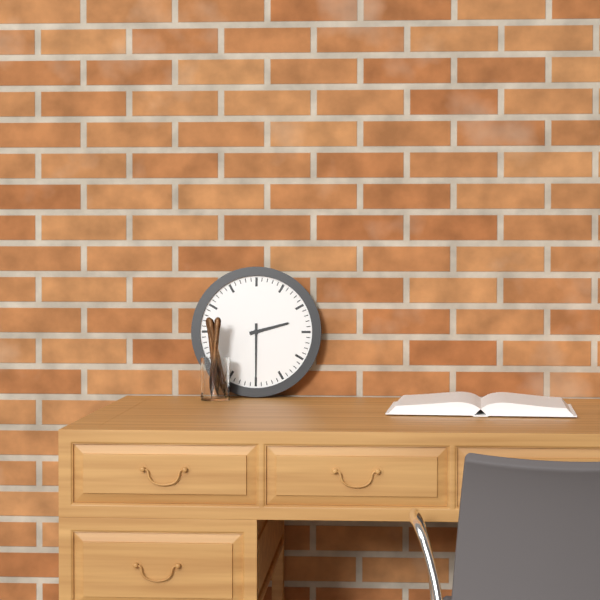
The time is h=2 m=30
